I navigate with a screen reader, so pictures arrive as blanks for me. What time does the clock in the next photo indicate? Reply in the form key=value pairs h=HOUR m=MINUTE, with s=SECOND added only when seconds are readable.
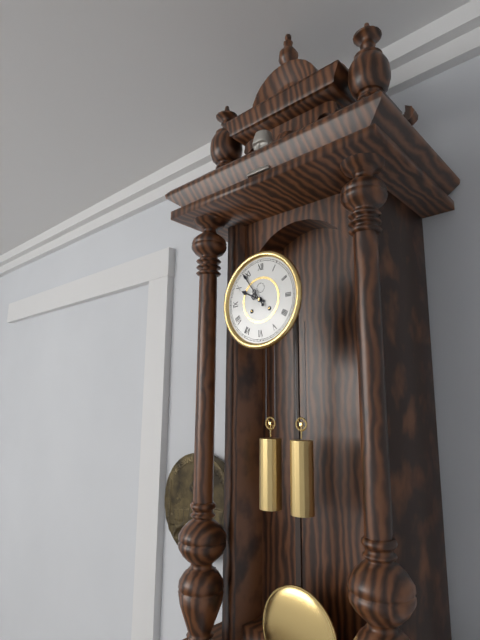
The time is h=9 m=54
